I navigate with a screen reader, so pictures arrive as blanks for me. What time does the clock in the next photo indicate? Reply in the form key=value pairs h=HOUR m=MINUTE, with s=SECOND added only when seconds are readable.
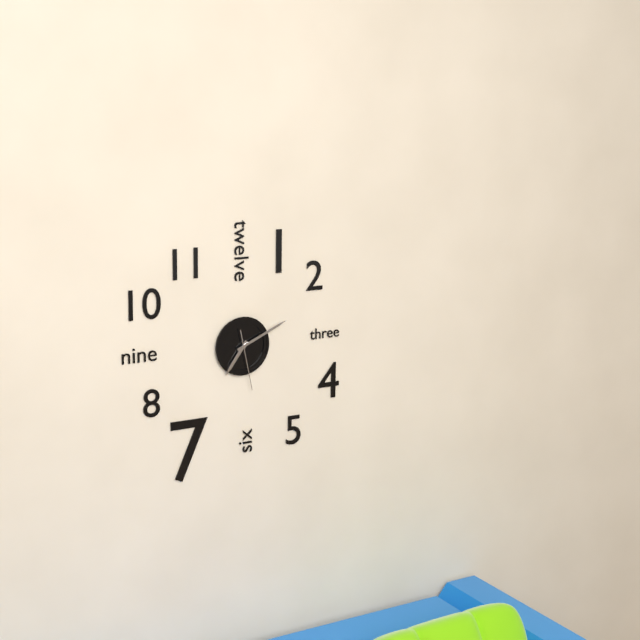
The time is h=7 m=11 s=28
